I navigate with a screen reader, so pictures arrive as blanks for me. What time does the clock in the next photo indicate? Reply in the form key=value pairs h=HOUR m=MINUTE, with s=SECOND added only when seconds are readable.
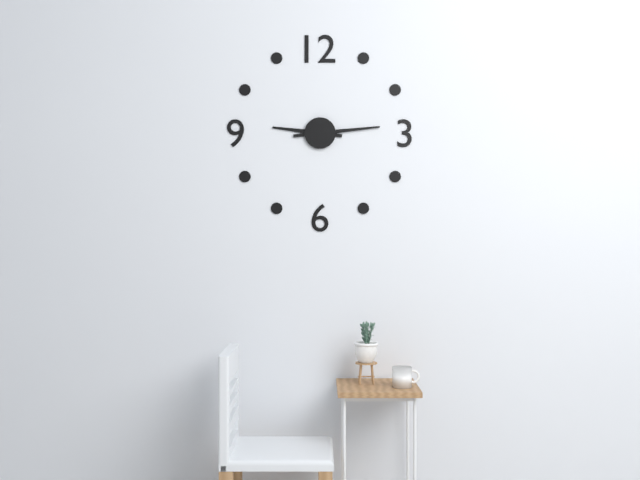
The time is h=9 m=14
